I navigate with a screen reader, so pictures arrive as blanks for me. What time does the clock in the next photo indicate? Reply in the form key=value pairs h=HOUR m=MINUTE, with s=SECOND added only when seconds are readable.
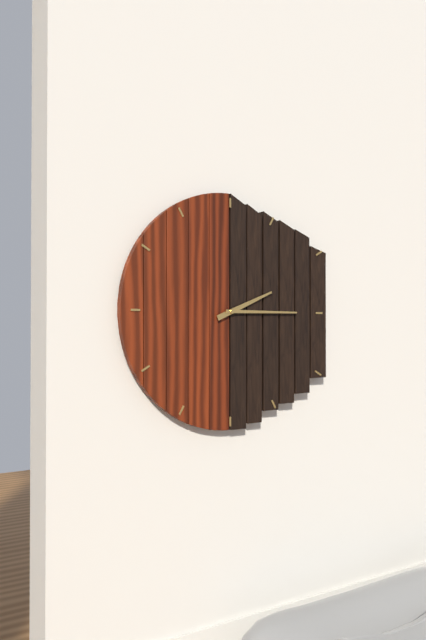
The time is h=2 m=15
